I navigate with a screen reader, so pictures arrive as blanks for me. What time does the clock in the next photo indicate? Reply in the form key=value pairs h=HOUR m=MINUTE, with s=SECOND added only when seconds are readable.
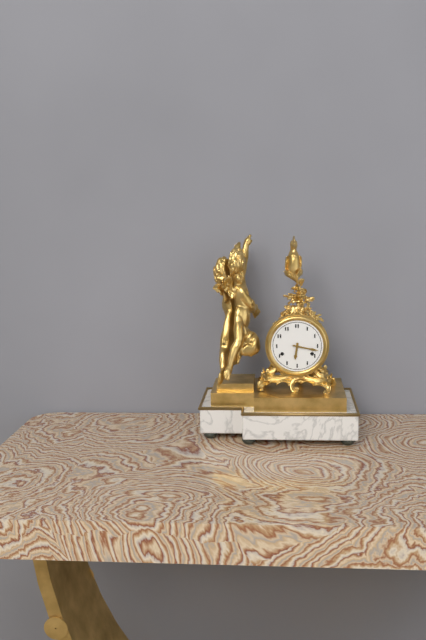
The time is h=6 m=17
